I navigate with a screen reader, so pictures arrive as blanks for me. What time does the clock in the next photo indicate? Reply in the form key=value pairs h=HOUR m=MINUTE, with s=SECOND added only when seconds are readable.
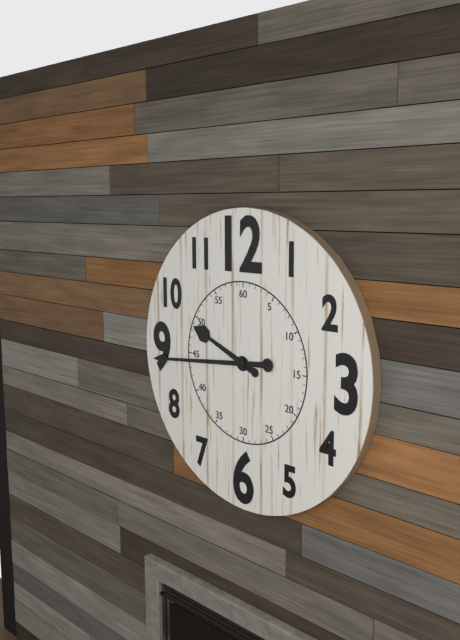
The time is h=9 m=44
